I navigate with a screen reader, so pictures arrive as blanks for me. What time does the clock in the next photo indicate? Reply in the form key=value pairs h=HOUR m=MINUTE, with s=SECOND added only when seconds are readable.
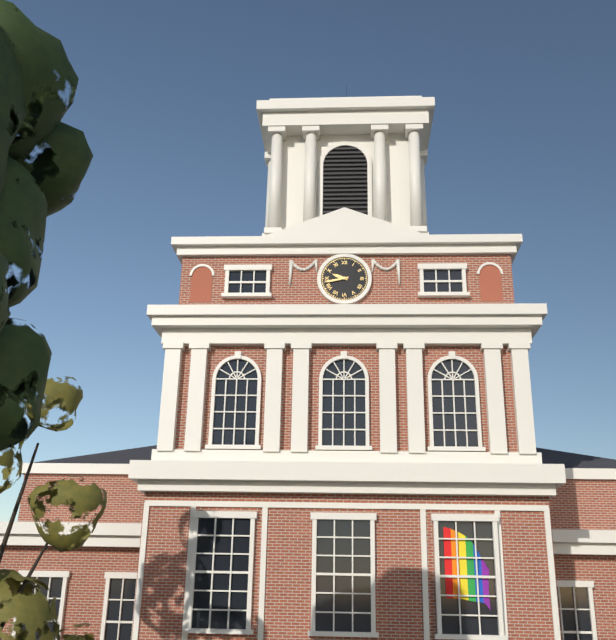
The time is h=9 m=43
